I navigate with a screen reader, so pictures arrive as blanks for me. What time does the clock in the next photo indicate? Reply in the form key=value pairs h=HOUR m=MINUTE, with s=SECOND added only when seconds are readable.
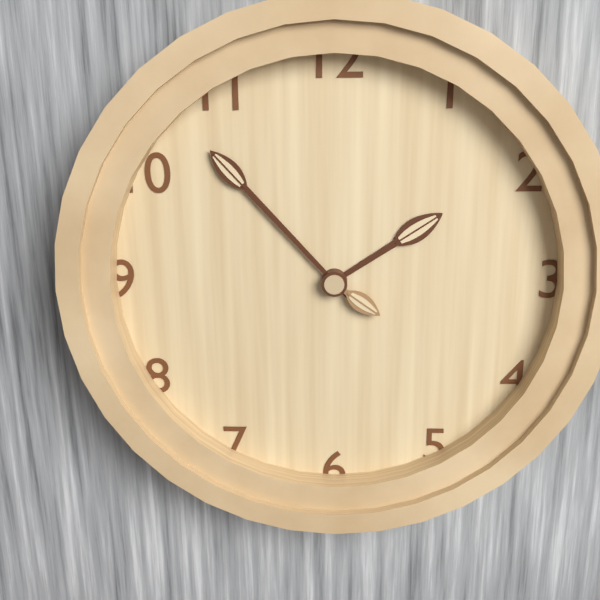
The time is h=1 m=53 s=21
